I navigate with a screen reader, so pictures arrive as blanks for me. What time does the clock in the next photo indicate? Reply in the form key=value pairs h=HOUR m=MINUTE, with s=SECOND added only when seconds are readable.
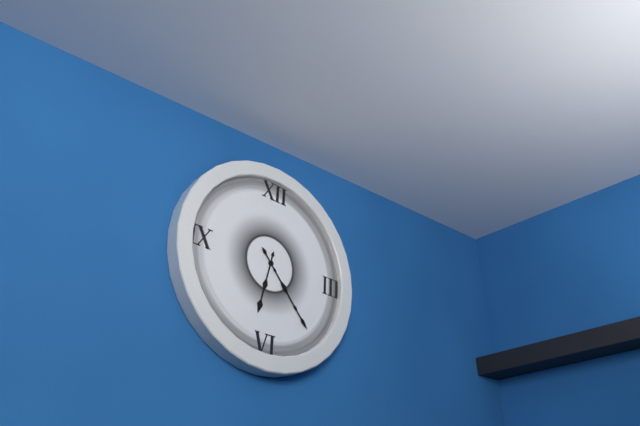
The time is h=6 m=23
